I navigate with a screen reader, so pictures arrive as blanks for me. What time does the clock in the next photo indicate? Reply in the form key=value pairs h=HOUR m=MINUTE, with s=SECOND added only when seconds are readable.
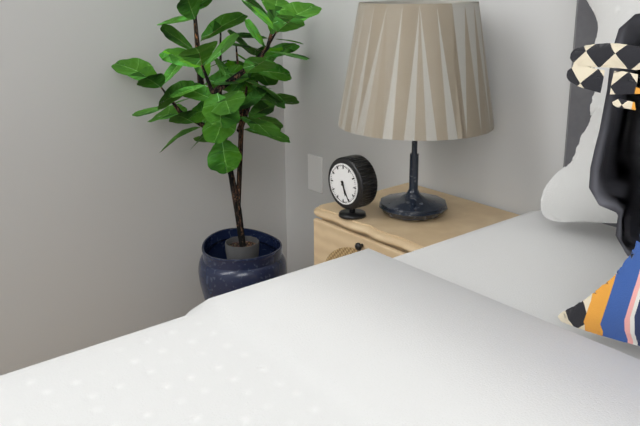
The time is h=5 m=25
